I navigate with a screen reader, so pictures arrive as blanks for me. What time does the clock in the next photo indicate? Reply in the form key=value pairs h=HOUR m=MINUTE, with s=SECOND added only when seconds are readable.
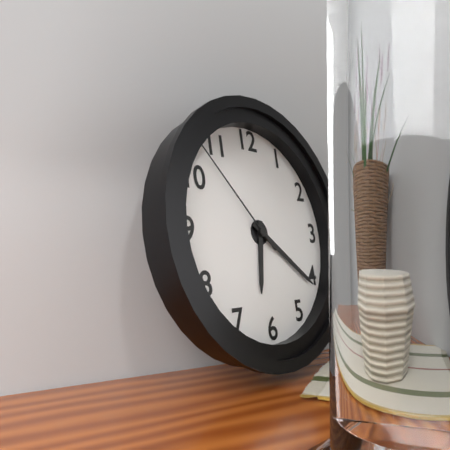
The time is h=6 m=21 s=53
